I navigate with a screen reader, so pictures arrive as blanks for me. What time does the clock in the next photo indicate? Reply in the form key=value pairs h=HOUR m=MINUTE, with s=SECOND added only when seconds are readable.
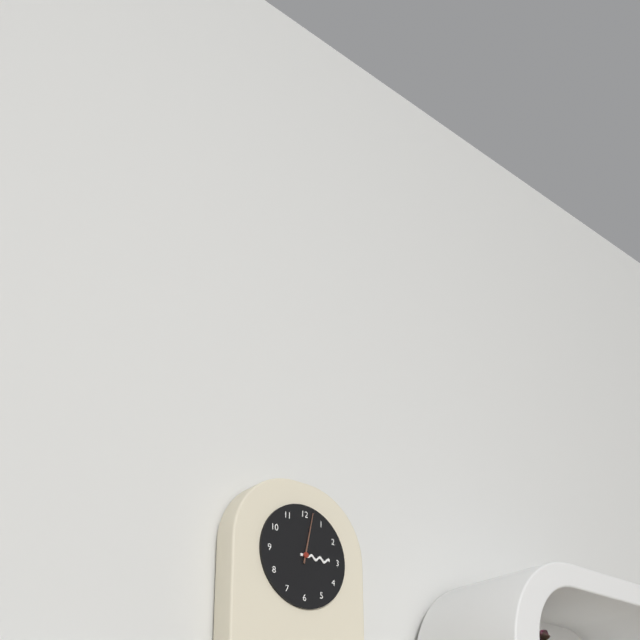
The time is h=3 m=2
